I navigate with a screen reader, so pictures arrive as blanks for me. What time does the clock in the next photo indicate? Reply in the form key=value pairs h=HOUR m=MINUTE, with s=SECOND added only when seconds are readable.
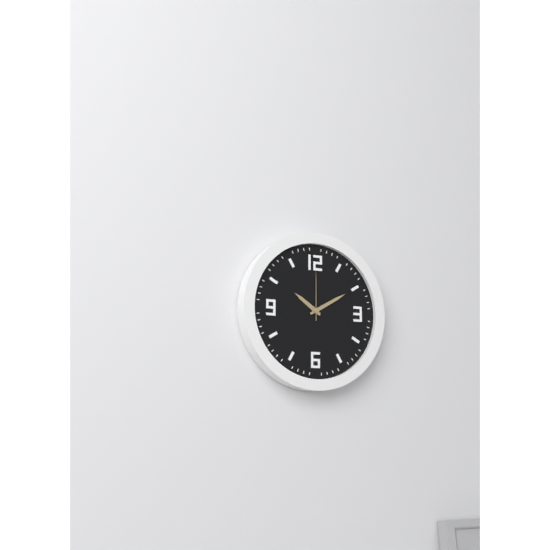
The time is h=10 m=10 s=0
